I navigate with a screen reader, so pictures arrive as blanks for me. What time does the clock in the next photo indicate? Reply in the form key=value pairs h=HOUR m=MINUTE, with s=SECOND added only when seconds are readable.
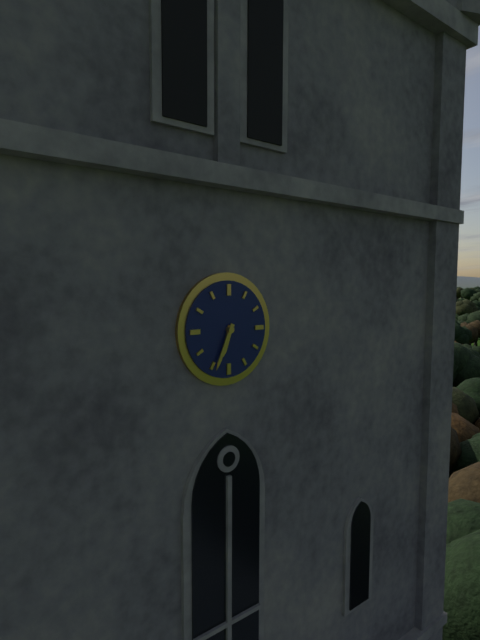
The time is h=6 m=34
